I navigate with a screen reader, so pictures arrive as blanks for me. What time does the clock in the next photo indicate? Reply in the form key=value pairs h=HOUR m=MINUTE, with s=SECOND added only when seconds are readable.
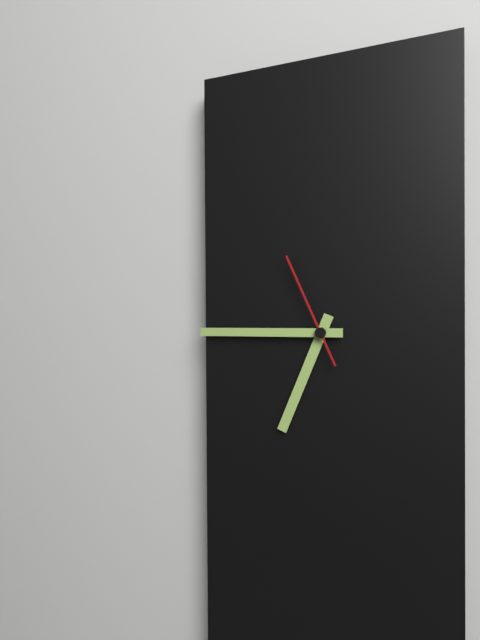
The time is h=6 m=45 s=56
